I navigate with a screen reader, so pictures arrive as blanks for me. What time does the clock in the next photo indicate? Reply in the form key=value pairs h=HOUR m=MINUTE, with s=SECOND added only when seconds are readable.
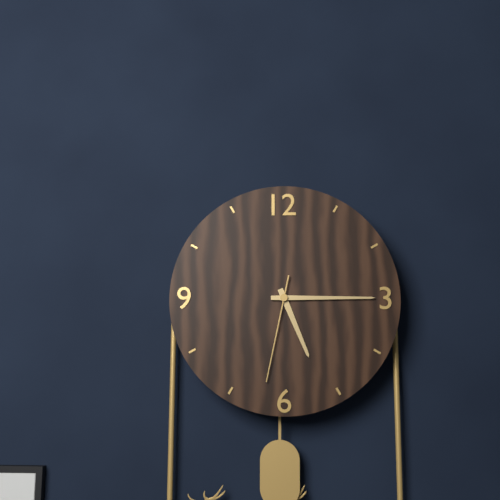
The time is h=5 m=15 s=32
